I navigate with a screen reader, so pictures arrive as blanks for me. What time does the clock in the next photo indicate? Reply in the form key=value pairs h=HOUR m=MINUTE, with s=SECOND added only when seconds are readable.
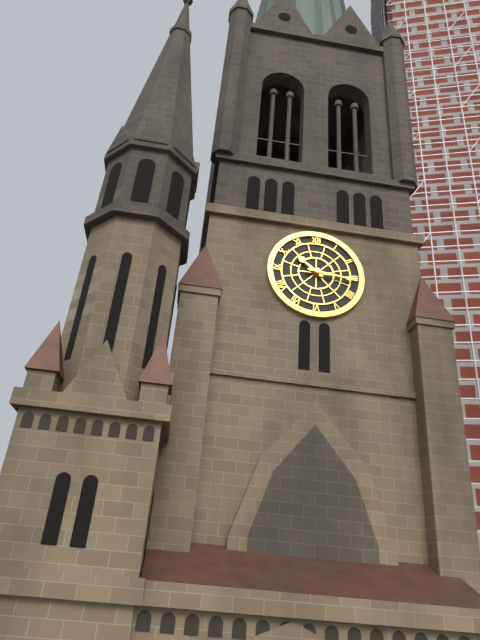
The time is h=10 m=16
